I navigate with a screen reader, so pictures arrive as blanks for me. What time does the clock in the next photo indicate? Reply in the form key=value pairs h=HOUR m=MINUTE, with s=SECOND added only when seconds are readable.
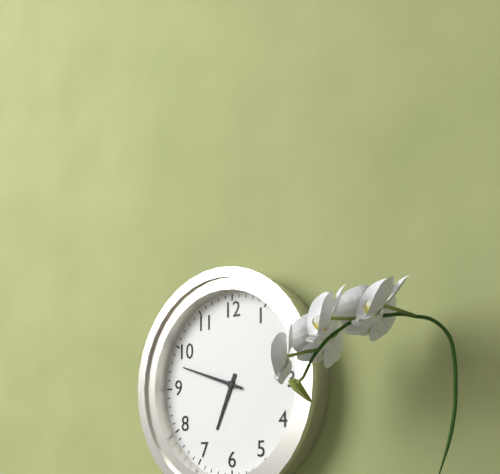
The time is h=6 m=48
